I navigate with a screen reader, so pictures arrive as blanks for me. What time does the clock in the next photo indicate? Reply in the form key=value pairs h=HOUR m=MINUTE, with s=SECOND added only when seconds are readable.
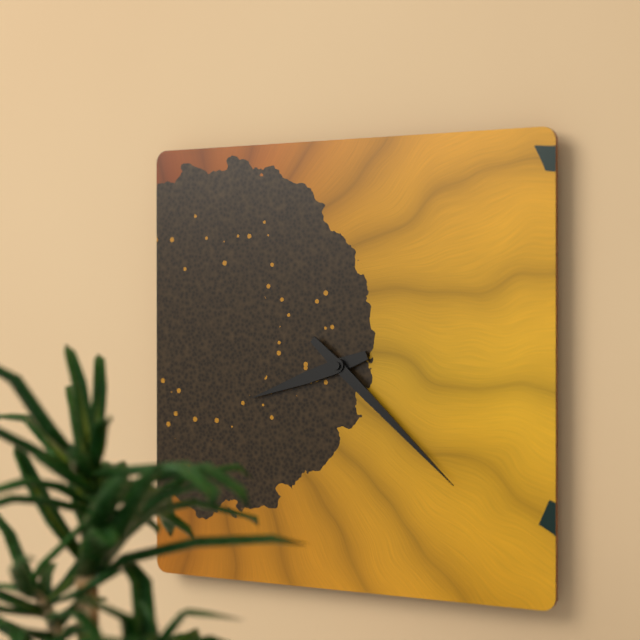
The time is h=8 m=22
